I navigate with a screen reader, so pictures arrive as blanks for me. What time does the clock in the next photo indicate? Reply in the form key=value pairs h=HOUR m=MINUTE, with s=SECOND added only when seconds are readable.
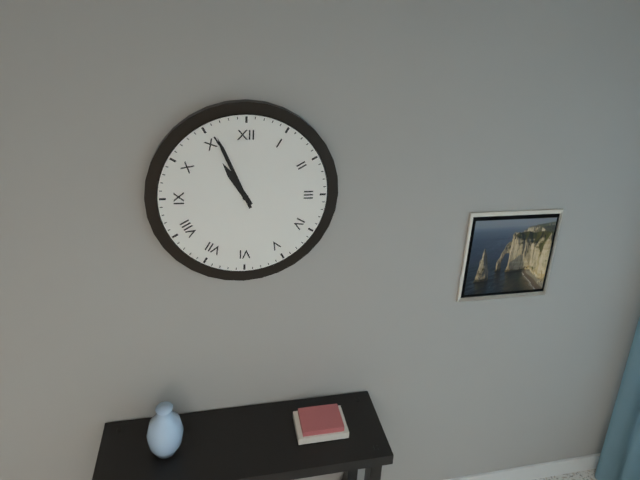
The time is h=10 m=56
